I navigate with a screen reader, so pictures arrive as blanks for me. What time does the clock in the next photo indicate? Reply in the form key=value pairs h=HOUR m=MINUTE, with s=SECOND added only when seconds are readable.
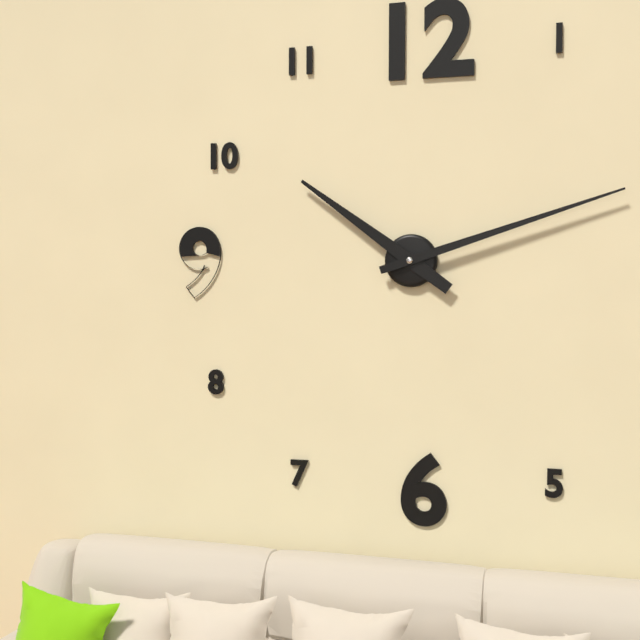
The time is h=10 m=12
